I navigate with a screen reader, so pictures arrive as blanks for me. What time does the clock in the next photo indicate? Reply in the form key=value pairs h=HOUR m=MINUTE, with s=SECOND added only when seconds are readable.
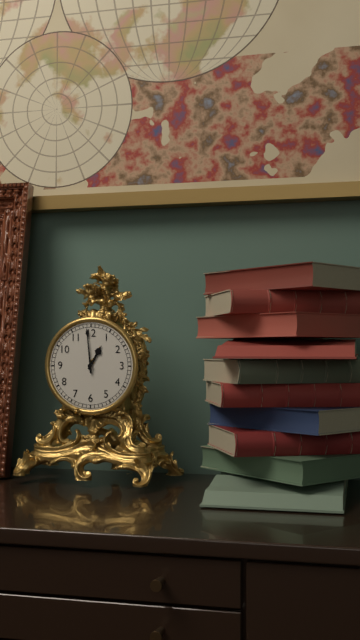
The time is h=12 m=59
